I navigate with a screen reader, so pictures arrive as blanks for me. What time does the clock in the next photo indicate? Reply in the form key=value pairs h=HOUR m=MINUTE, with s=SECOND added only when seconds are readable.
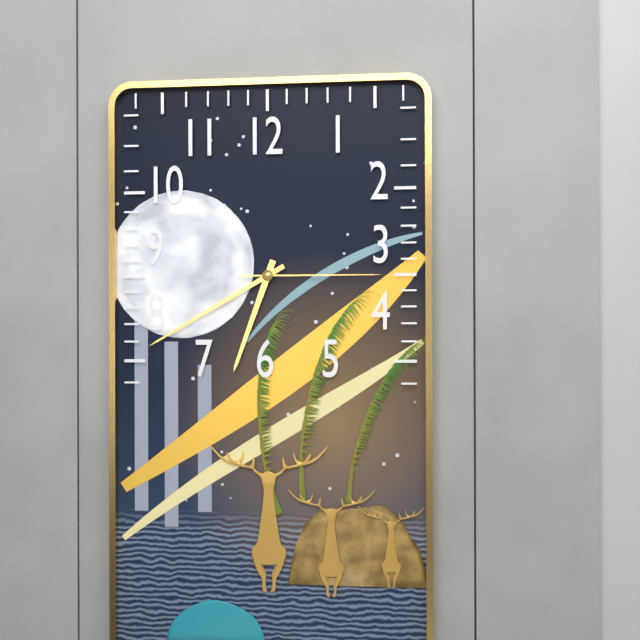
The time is h=6 m=40 s=15
